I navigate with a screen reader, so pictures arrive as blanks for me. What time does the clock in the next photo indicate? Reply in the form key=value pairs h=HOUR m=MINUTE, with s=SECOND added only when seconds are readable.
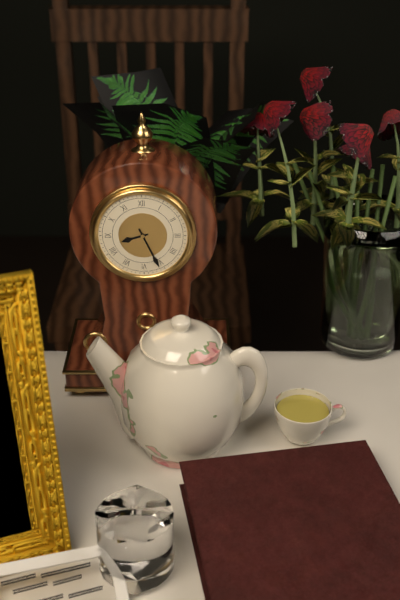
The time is h=8 m=26
